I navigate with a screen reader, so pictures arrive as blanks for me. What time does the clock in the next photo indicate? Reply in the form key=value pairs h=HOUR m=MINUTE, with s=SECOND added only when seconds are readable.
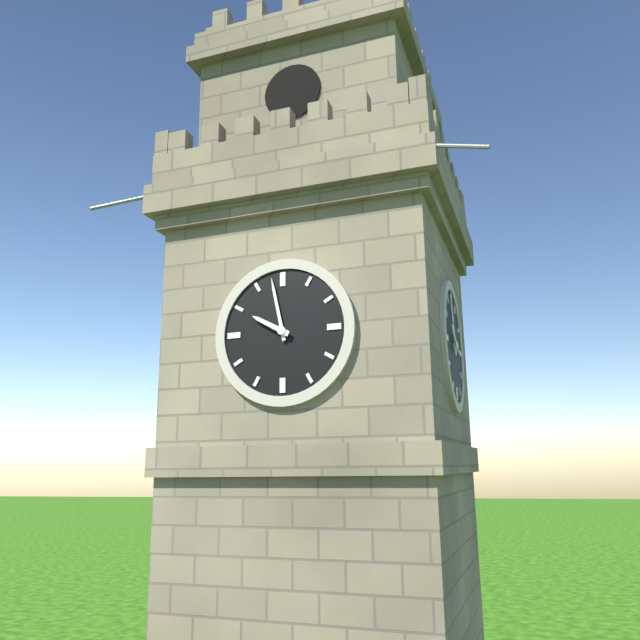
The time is h=9 m=58
